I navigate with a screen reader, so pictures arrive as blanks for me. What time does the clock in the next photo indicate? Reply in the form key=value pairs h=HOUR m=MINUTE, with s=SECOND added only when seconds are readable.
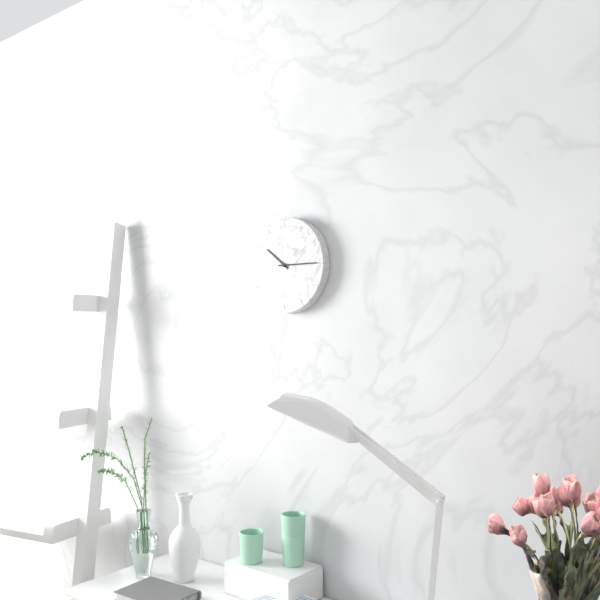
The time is h=10 m=15
